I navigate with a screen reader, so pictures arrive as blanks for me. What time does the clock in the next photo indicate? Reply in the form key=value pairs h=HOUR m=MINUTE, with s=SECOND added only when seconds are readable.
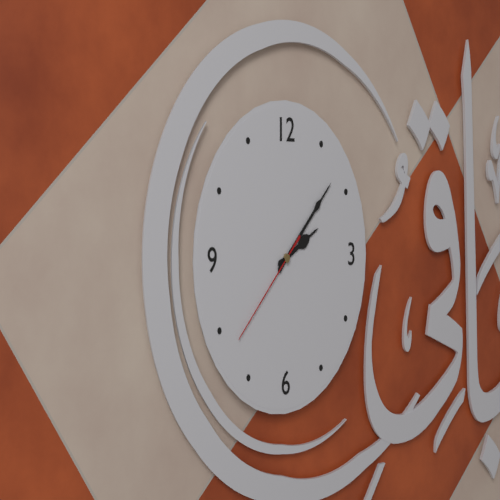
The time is h=2 m=8 s=38
